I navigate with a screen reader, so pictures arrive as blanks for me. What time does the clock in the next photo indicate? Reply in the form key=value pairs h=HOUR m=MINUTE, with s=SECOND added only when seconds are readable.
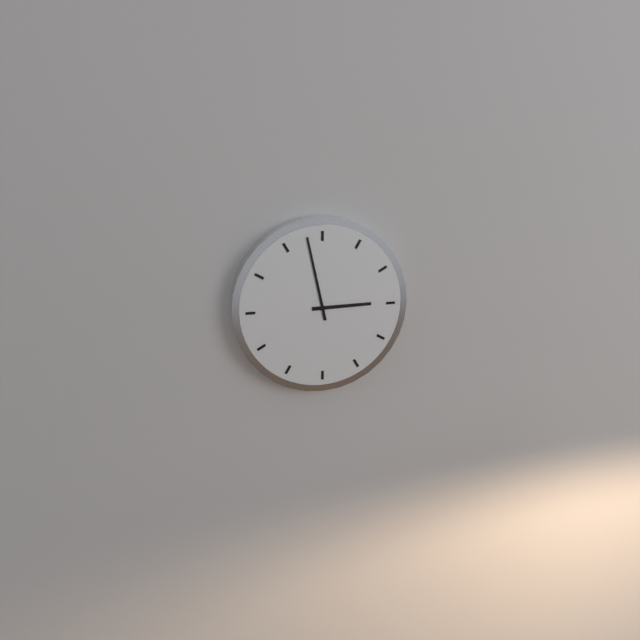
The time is h=2 m=58
